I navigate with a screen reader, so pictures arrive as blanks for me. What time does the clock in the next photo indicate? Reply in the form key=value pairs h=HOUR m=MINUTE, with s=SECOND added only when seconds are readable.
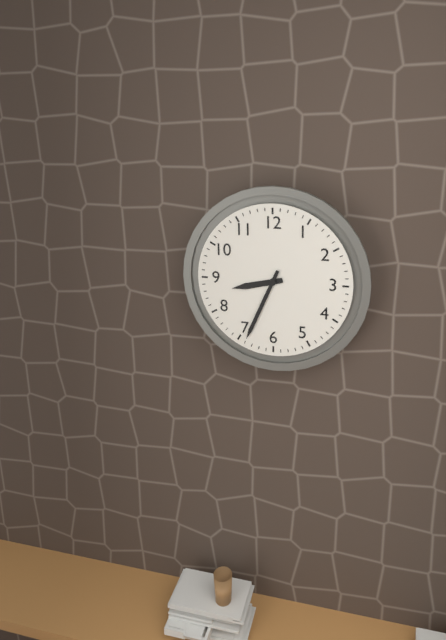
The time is h=8 m=34
